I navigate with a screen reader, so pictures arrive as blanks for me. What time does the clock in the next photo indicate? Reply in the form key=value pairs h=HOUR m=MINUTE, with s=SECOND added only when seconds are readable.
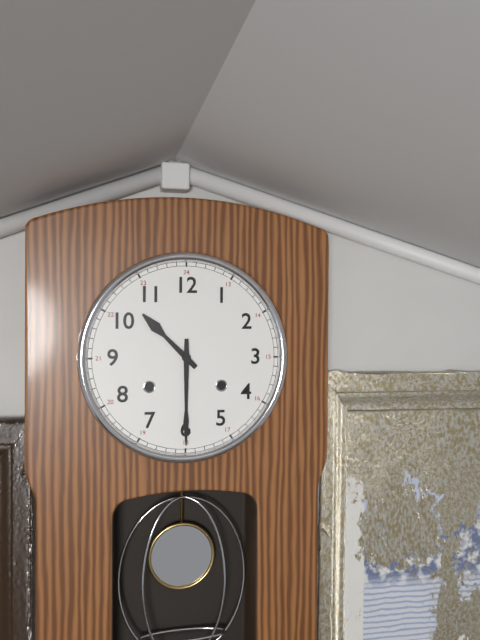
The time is h=10 m=30
